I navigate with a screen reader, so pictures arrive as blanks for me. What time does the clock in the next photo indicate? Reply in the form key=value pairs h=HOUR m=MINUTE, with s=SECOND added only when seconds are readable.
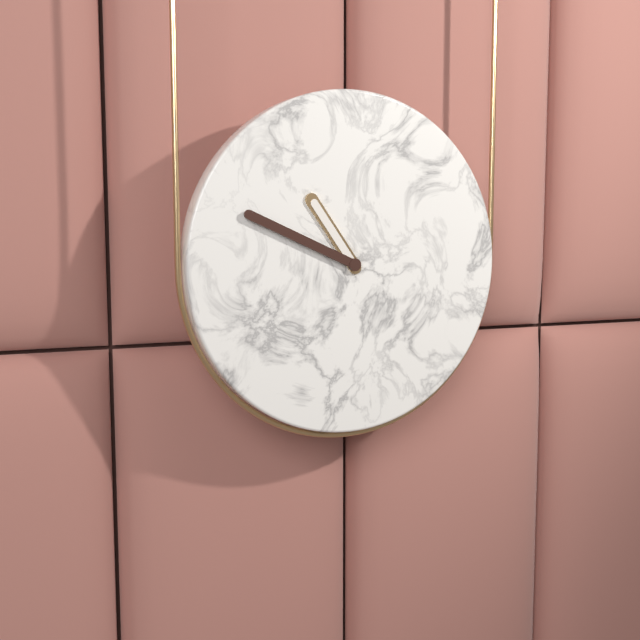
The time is h=10 m=49
